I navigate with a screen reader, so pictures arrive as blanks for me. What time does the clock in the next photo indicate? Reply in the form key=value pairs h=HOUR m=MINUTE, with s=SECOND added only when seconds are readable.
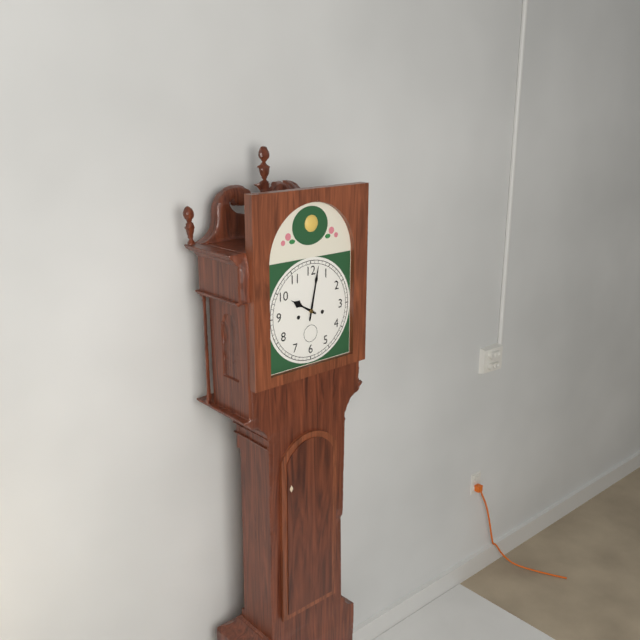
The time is h=10 m=2
